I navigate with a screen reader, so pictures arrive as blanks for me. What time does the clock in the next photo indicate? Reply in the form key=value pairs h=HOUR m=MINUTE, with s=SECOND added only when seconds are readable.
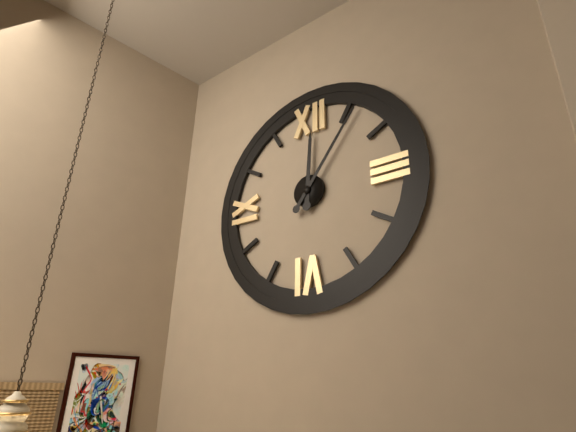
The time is h=12 m=6
